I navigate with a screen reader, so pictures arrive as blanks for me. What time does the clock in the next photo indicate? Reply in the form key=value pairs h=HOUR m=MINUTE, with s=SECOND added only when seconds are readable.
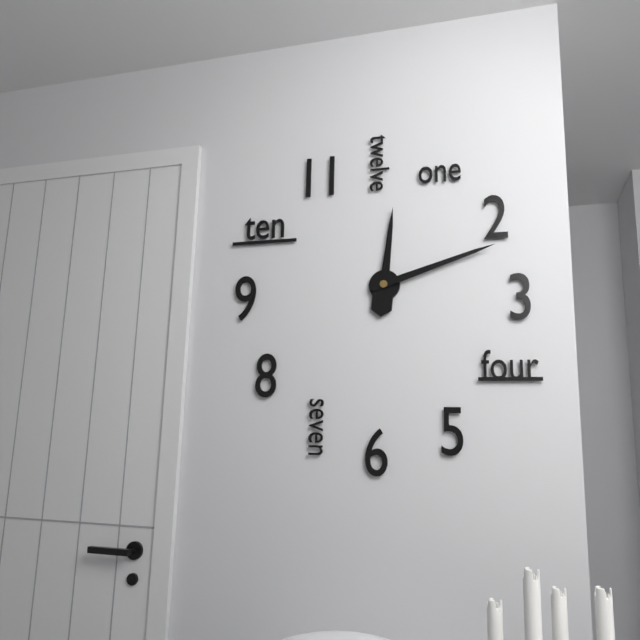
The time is h=12 m=12
